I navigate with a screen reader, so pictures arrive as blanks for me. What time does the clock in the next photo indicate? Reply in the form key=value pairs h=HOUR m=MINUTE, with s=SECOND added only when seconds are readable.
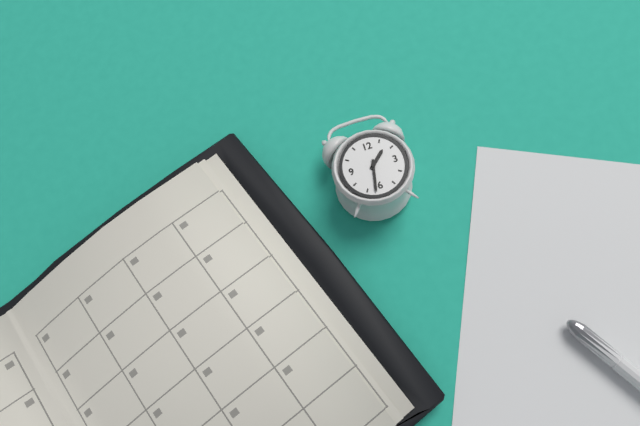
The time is h=1 m=32
